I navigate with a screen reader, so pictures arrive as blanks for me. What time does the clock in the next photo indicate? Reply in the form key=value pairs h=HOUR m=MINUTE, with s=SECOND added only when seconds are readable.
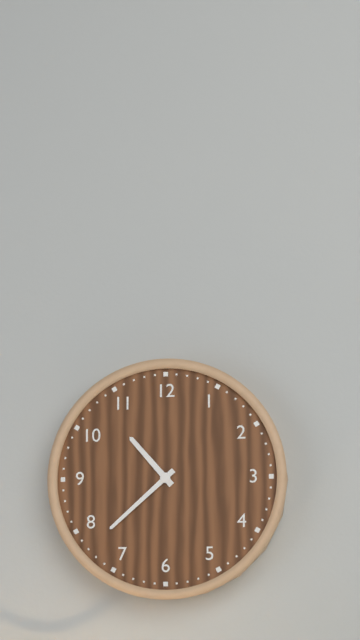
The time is h=10 m=38
